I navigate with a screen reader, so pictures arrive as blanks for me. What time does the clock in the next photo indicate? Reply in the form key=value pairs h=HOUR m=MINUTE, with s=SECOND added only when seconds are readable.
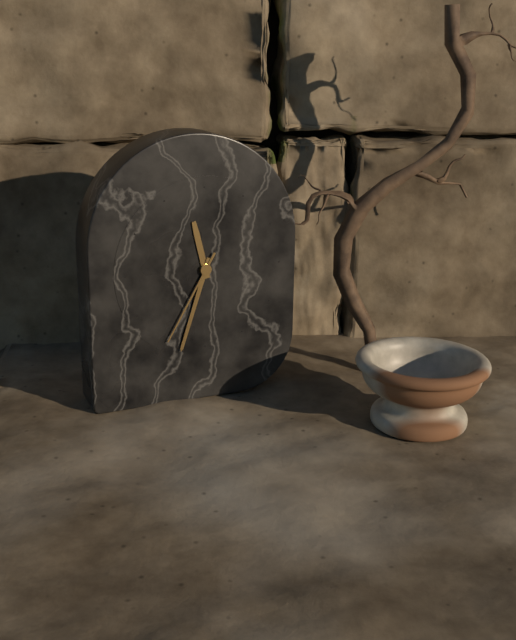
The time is h=11 m=33 s=35
